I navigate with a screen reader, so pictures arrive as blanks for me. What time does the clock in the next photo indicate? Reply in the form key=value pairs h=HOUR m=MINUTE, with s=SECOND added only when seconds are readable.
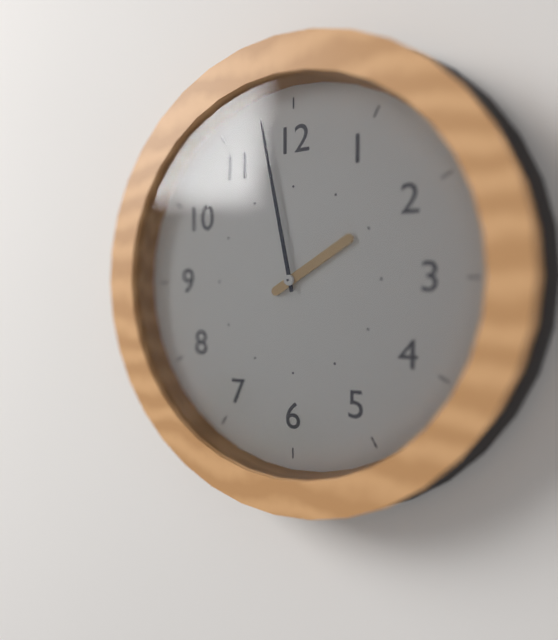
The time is h=1 m=58
